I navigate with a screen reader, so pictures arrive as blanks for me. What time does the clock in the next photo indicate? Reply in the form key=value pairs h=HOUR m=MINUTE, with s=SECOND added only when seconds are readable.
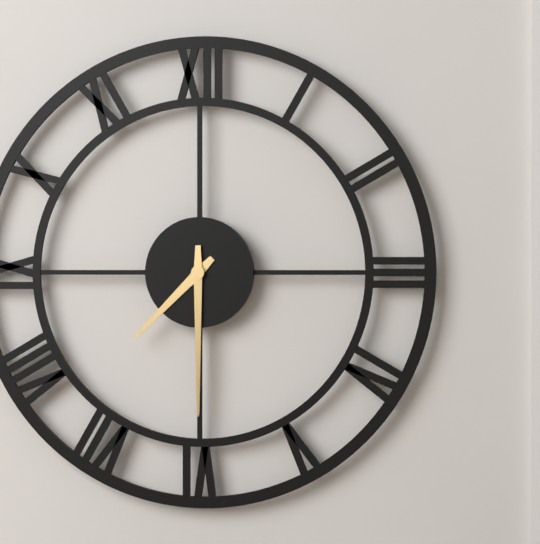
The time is h=7 m=30
